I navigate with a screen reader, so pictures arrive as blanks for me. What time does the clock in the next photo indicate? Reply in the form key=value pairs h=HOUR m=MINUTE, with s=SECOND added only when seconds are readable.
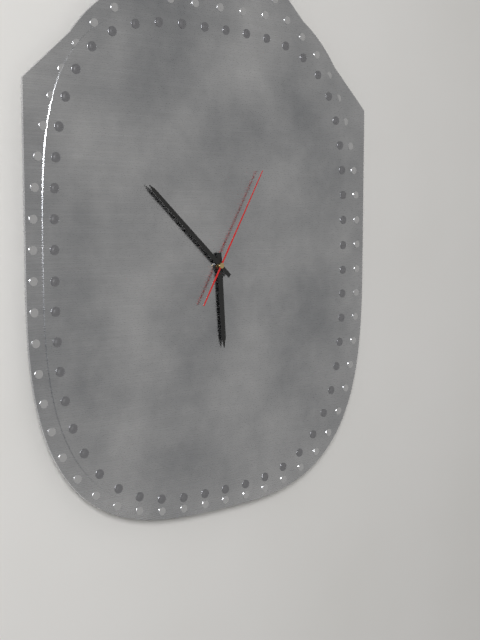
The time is h=5 m=52 s=5
